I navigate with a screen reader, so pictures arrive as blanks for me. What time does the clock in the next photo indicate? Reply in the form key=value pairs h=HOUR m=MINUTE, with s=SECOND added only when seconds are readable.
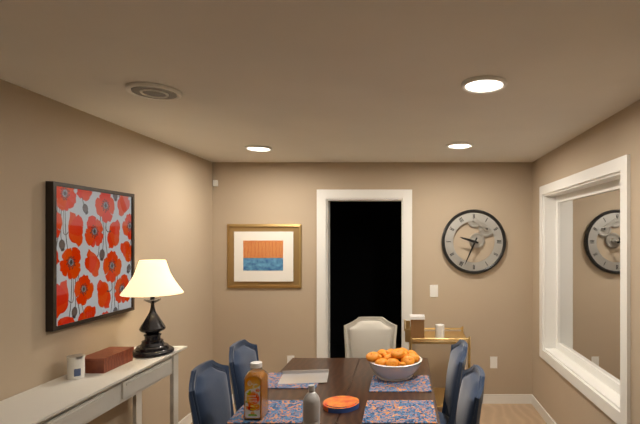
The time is h=9 m=34
